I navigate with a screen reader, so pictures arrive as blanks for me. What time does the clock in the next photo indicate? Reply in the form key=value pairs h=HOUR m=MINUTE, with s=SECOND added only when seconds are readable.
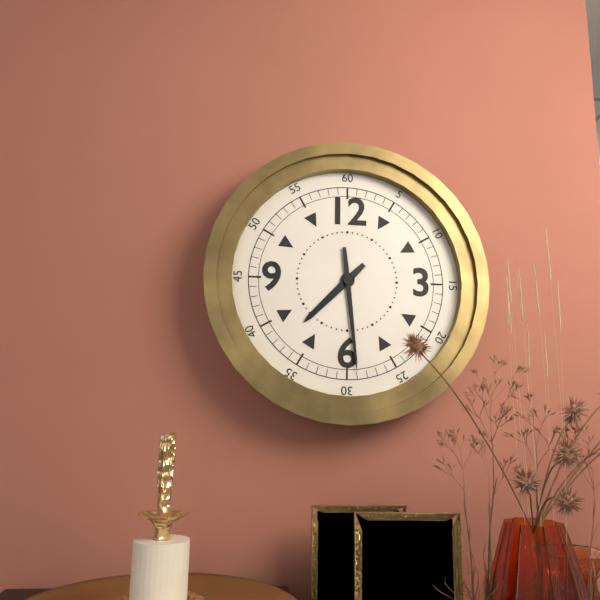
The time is h=7 m=29
